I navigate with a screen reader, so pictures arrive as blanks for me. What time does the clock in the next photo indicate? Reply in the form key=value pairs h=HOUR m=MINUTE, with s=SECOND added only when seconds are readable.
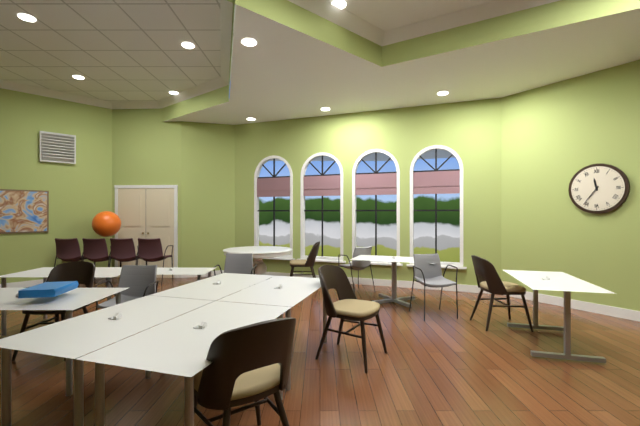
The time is h=11 m=36
